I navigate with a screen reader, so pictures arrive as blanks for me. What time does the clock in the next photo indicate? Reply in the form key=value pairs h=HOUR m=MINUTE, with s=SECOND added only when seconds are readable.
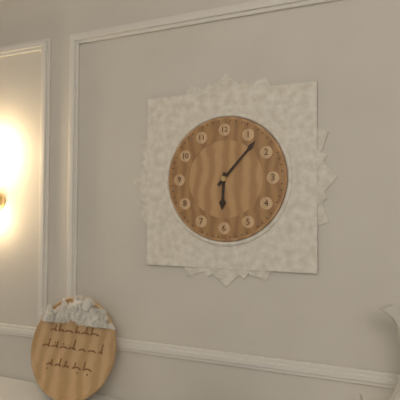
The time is h=6 m=7
